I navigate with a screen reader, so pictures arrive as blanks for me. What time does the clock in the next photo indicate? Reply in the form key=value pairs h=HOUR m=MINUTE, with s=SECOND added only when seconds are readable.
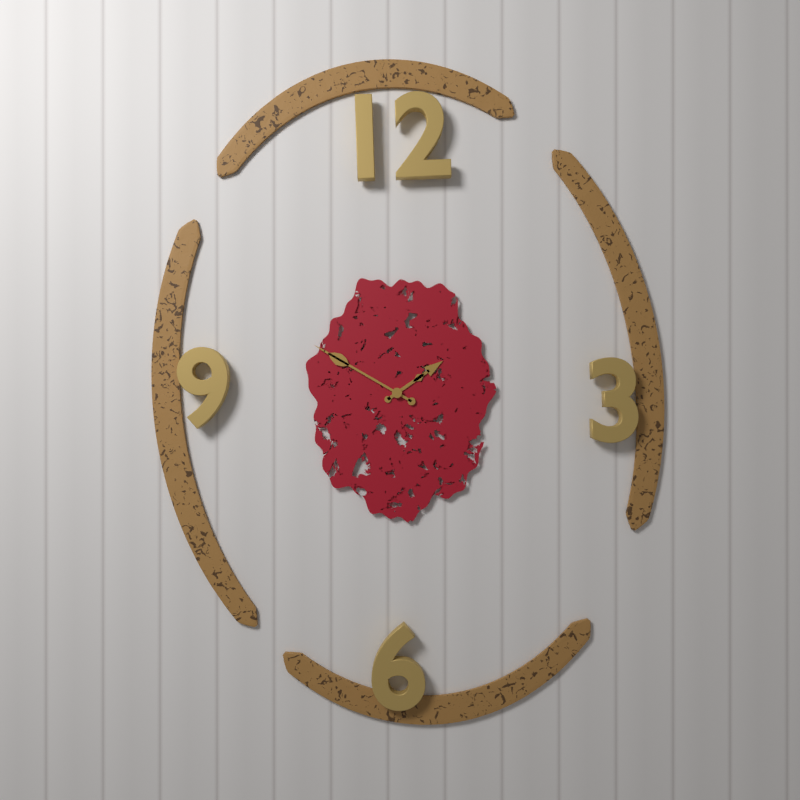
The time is h=1 m=50
